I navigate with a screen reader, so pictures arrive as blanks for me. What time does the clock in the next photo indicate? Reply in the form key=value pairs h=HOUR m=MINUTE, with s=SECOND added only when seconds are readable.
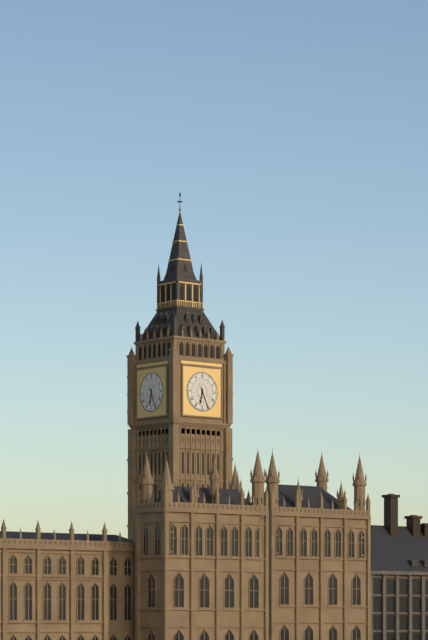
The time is h=6 m=26
